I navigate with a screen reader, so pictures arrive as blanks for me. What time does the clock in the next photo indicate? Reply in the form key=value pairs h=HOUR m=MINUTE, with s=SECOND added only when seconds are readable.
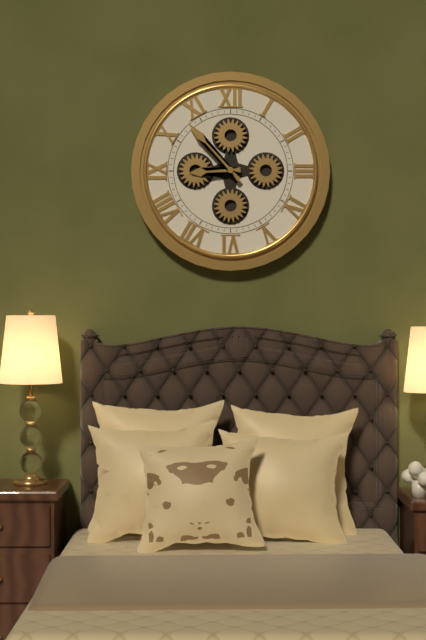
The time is h=8 m=53
